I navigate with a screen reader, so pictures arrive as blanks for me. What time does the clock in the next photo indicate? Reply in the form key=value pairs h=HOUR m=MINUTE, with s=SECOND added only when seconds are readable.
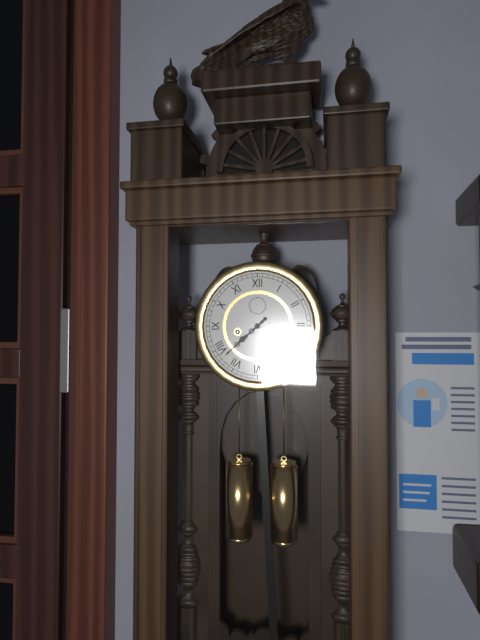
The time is h=7 m=38
